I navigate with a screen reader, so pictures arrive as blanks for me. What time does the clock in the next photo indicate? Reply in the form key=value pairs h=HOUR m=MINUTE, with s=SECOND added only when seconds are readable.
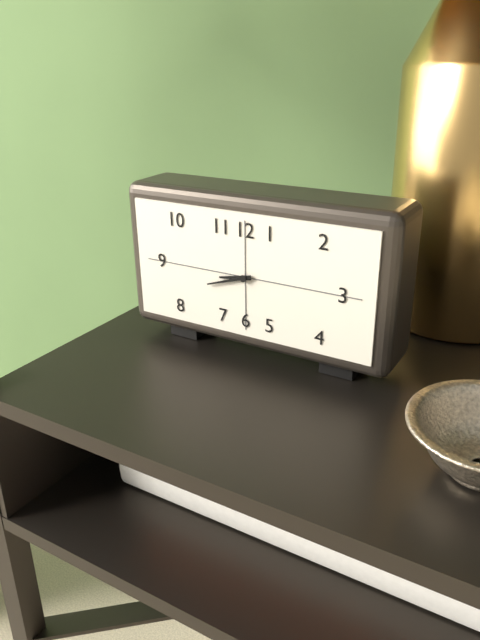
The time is h=8 m=42
